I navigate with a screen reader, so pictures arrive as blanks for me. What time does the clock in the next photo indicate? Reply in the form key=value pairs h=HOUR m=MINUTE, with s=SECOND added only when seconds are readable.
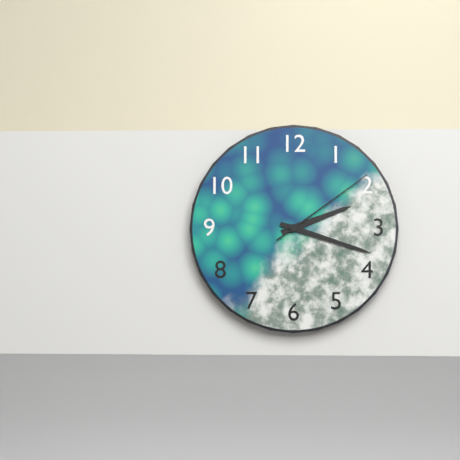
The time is h=2 m=18 s=9
